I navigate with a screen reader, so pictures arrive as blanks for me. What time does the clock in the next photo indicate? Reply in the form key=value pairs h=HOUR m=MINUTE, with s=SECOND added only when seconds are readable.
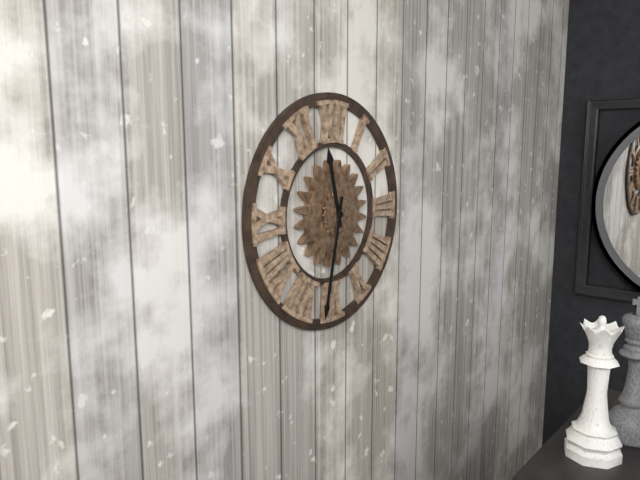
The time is h=11 m=32
